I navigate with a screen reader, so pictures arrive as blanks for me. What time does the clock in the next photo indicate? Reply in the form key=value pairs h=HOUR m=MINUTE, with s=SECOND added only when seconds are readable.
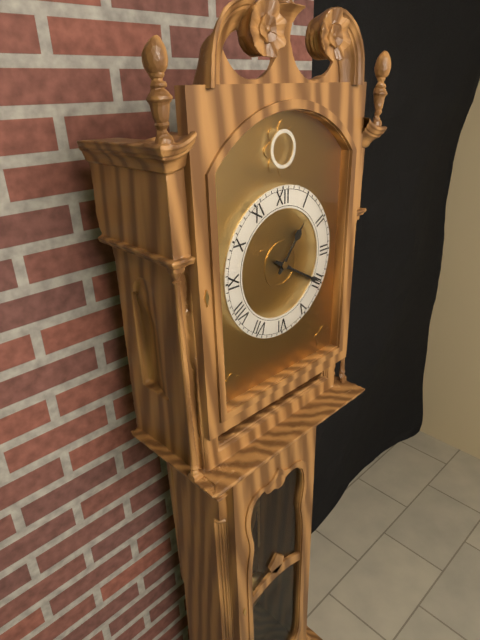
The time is h=1 m=20
